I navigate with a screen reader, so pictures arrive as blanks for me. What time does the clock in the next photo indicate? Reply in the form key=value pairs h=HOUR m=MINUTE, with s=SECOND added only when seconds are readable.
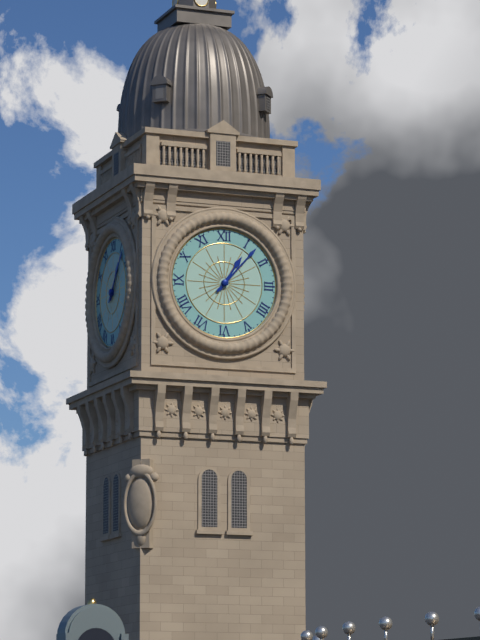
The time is h=1 m=7
